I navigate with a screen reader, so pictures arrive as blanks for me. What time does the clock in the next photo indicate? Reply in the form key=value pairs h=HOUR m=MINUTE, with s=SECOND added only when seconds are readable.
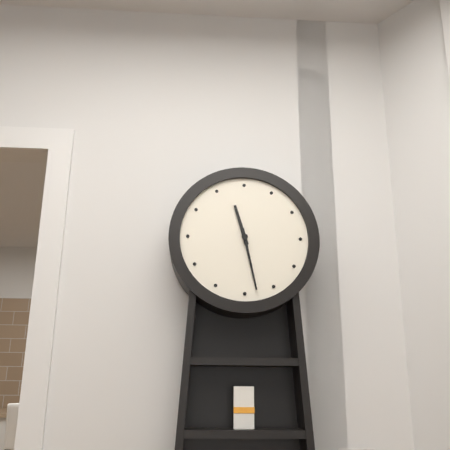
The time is h=11 m=28
